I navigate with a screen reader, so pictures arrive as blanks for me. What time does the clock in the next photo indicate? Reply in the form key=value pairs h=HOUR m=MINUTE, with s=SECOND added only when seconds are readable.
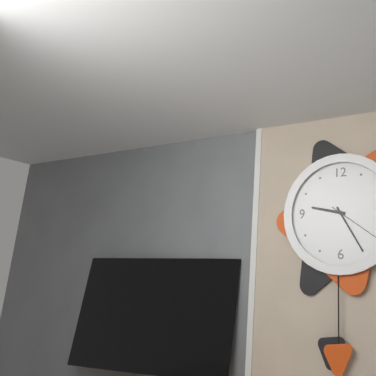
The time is h=9 m=25
